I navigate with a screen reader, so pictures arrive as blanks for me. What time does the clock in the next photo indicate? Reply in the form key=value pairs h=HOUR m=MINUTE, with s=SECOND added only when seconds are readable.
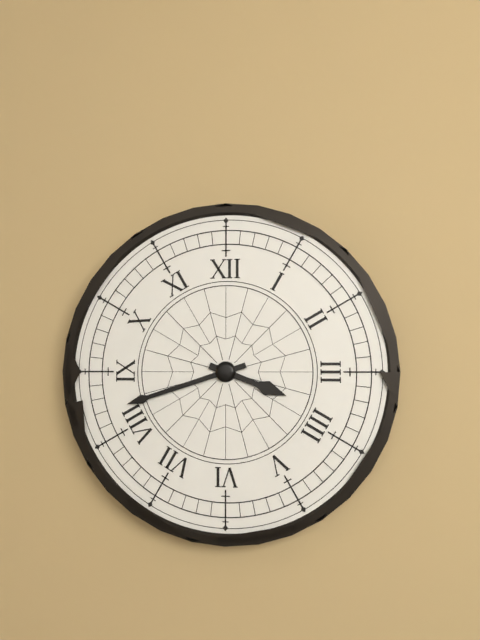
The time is h=3 m=42
